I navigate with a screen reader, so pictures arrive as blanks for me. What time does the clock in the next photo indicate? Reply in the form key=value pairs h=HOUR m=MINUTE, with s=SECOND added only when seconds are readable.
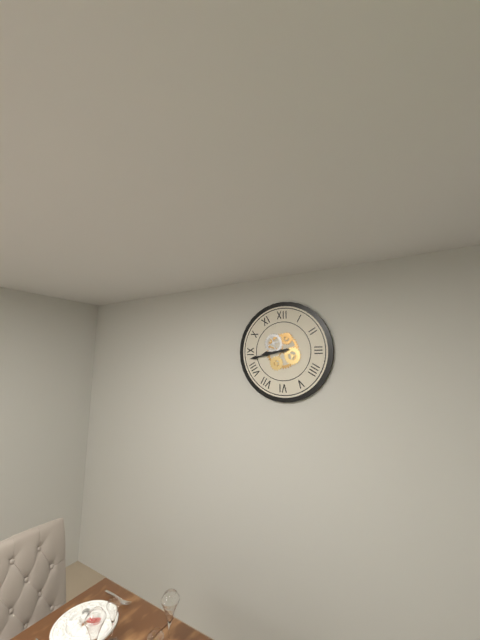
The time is h=8 m=43
